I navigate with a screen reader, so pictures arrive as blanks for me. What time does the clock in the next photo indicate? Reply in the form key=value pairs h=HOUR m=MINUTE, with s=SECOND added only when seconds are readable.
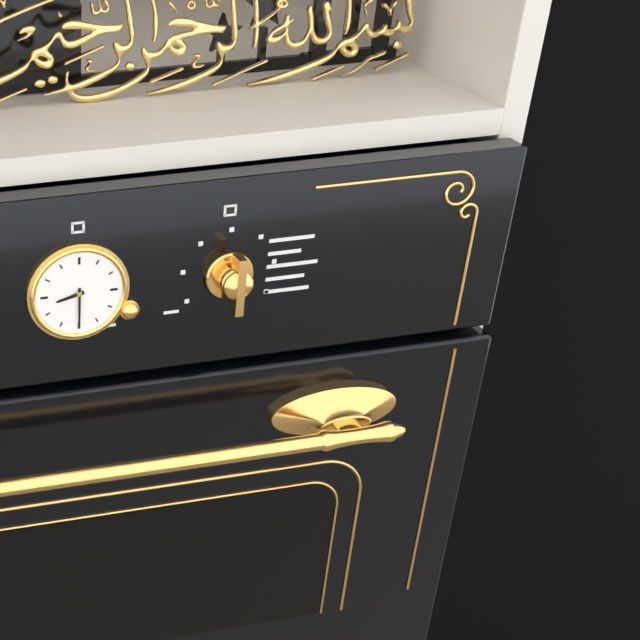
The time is h=8 m=30
